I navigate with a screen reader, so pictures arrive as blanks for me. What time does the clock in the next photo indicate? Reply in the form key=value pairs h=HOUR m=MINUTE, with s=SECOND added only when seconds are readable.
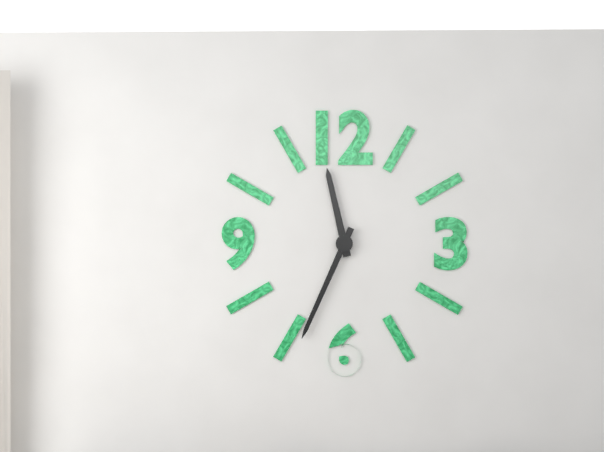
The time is h=11 m=34
